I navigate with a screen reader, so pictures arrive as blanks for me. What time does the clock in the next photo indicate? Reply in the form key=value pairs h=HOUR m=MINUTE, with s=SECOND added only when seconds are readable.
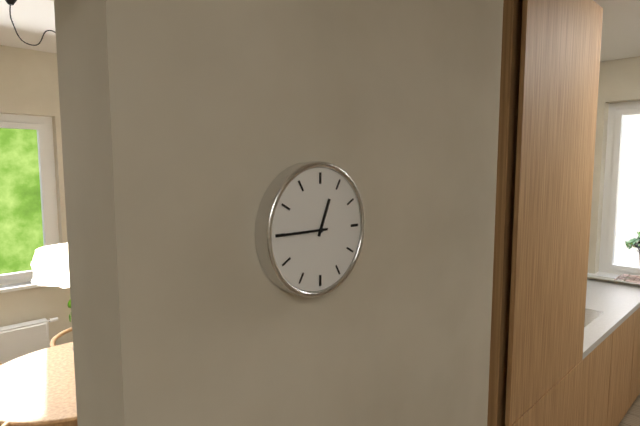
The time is h=12 m=45
